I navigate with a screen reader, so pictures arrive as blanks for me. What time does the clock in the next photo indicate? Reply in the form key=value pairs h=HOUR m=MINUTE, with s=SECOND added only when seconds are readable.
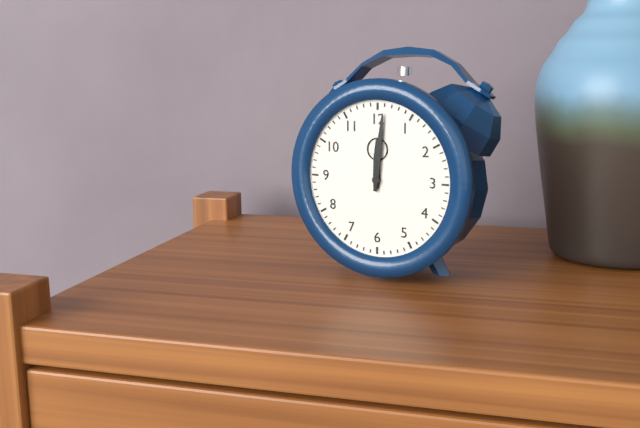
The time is h=12 m=1
